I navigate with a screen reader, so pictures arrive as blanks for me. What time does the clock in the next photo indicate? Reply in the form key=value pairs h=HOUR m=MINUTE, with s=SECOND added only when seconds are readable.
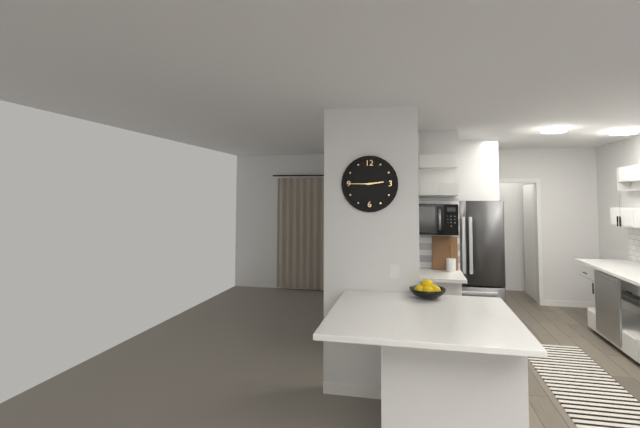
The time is h=2 m=45
